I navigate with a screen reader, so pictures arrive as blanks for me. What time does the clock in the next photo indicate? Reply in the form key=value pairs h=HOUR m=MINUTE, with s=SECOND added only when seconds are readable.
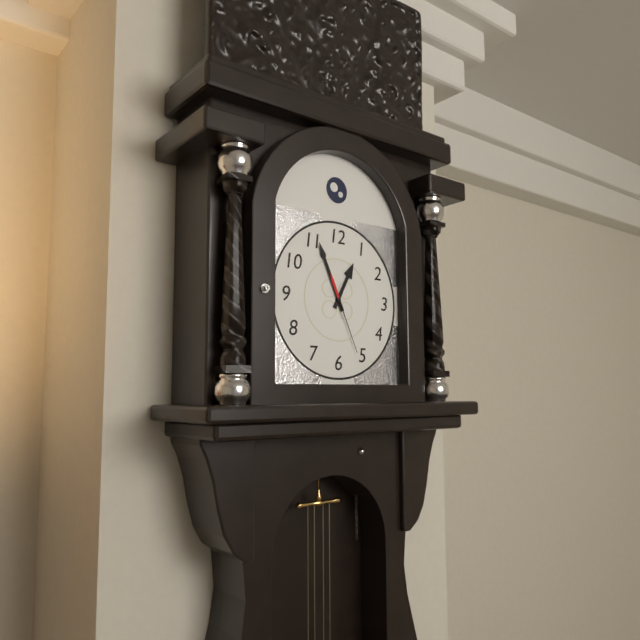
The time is h=12 m=56 s=26
